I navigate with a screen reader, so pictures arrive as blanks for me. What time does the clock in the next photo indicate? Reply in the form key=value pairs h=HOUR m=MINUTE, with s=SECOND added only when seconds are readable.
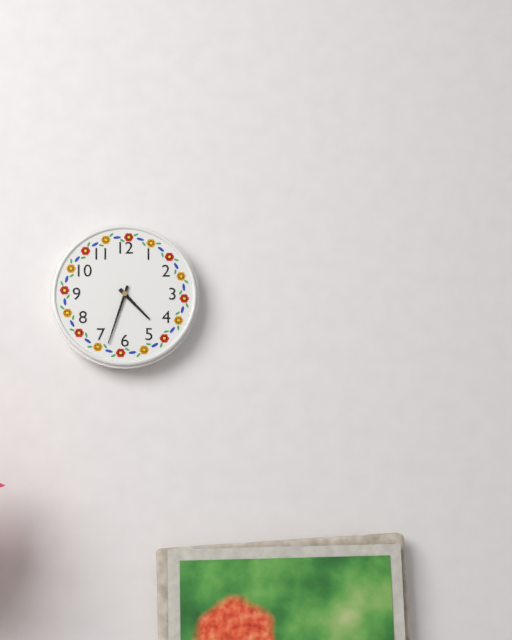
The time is h=4 m=33
